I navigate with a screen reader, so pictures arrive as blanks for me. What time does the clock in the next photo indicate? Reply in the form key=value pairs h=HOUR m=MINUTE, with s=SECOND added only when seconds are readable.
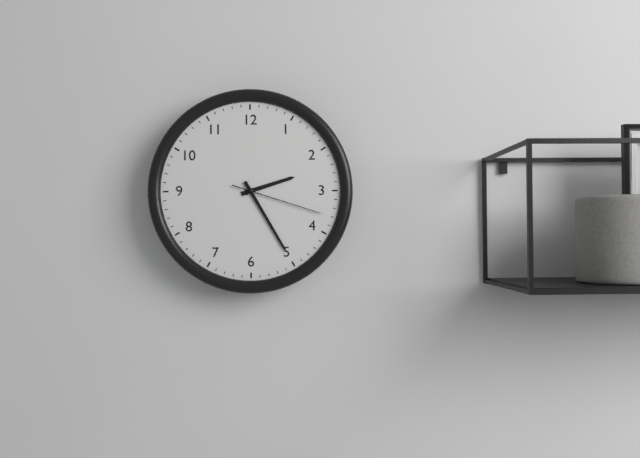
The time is h=2 m=25 s=18
